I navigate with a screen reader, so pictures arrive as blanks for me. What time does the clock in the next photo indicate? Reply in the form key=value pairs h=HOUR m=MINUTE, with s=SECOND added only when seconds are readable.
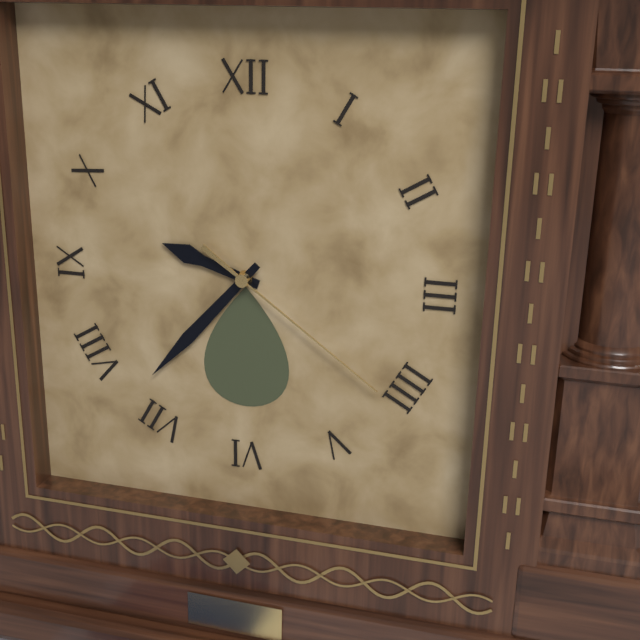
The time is h=9 m=37 s=21
